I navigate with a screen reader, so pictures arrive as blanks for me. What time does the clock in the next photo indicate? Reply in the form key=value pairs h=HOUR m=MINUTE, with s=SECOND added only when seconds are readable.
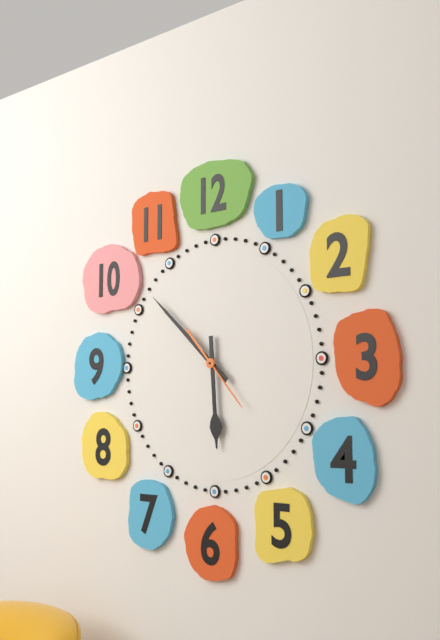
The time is h=5 m=52 s=23
